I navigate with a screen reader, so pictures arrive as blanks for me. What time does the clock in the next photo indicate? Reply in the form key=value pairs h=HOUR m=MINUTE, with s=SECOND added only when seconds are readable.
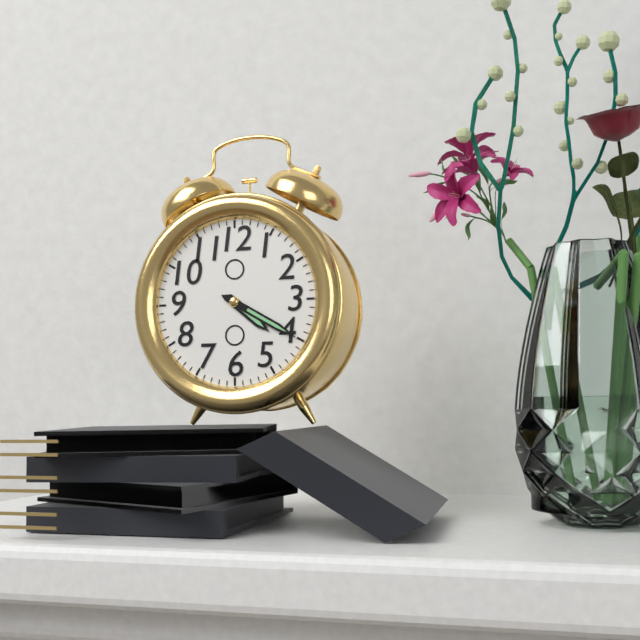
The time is h=4 m=20
